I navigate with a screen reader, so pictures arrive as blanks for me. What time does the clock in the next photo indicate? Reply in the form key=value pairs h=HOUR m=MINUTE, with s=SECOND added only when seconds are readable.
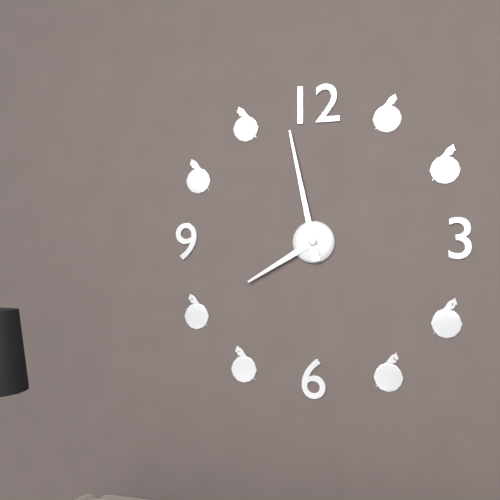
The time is h=7 m=58
